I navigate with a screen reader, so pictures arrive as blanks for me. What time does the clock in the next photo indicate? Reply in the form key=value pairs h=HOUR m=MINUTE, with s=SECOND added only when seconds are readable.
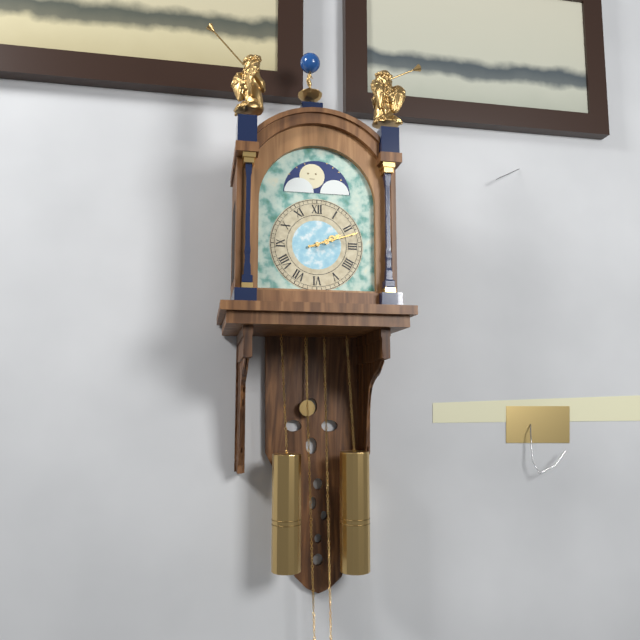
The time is h=2 m=12
